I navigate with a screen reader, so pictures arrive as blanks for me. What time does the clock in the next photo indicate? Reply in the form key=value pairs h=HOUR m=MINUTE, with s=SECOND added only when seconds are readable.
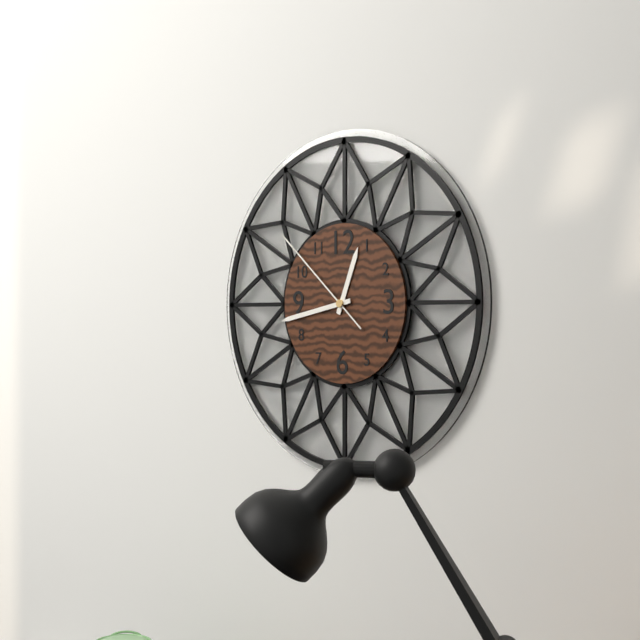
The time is h=12 m=43 s=52
